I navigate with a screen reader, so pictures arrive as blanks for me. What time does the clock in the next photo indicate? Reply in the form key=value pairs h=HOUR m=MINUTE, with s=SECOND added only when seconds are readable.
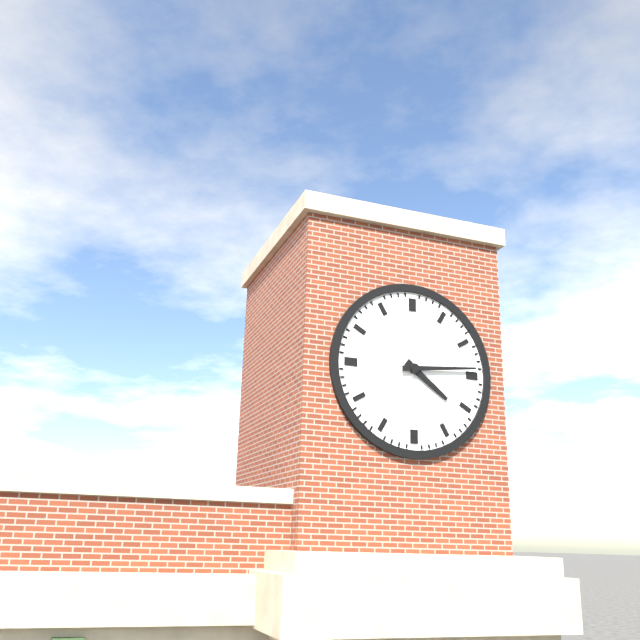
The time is h=4 m=14
